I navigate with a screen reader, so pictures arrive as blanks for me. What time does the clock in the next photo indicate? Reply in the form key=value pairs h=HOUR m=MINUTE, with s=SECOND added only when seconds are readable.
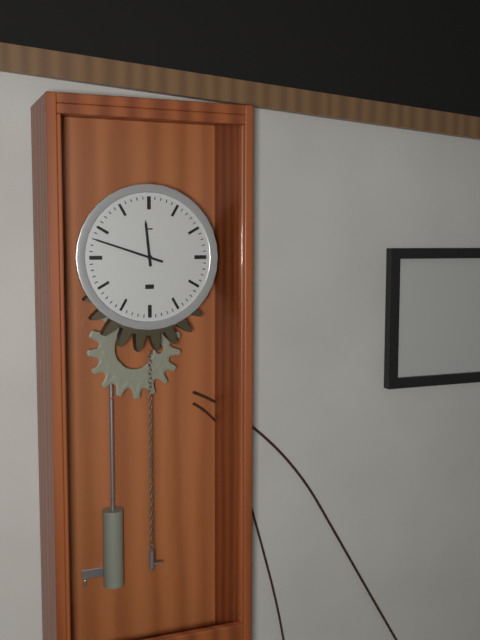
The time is h=11 m=48
